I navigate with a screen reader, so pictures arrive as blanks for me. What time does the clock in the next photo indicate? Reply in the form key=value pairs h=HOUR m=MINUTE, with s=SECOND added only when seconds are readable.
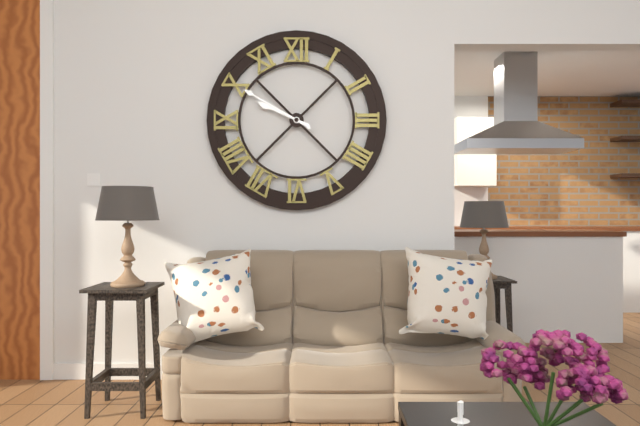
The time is h=9 m=50
